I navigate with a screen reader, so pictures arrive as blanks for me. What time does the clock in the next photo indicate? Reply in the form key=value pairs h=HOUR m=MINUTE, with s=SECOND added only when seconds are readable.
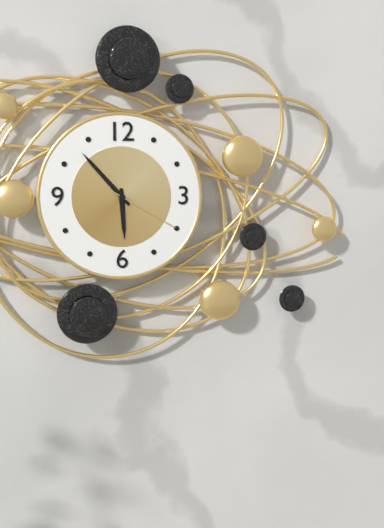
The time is h=5 m=53 s=20
